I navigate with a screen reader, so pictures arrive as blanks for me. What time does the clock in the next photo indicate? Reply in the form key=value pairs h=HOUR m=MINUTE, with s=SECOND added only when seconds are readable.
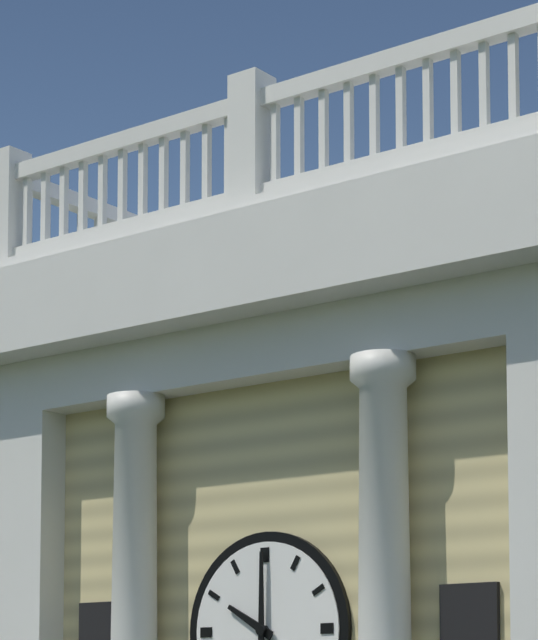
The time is h=10 m=0
